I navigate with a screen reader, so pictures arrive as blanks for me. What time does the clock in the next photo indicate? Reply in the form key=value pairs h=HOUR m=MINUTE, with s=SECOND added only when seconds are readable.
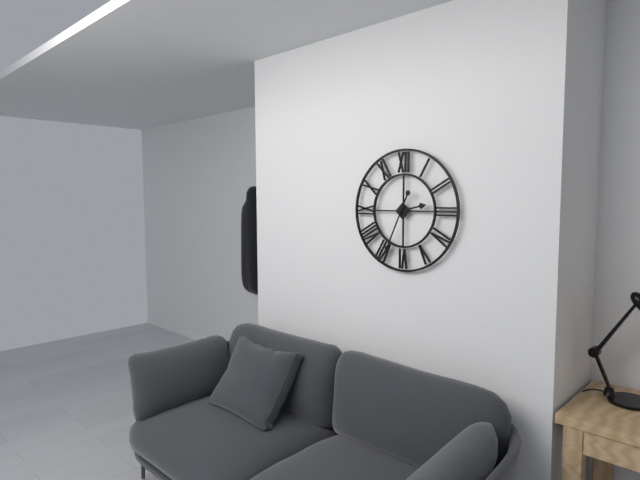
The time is h=2 m=34
